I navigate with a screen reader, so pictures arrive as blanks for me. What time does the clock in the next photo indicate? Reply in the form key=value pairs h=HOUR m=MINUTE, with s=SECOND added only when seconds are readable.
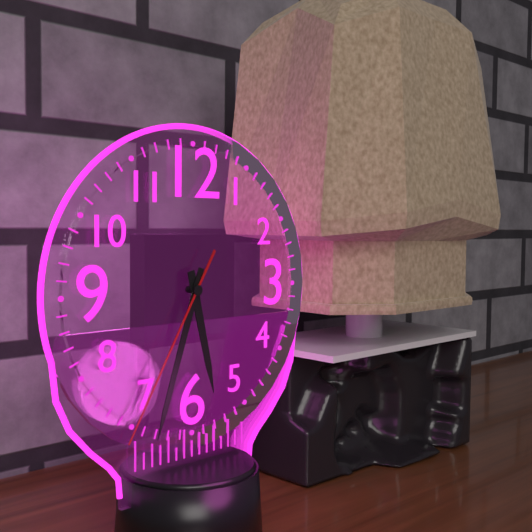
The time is h=5 m=33 s=35
